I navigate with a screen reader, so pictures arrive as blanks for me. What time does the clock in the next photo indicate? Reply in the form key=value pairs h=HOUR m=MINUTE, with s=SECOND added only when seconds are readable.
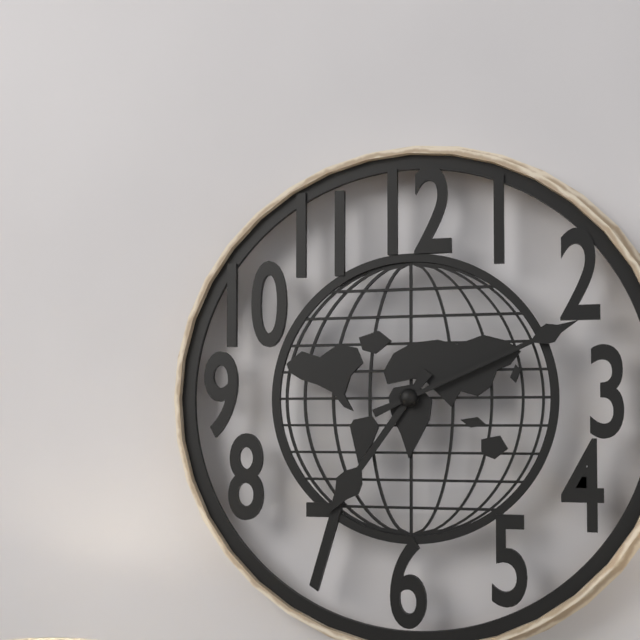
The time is h=7 m=11
